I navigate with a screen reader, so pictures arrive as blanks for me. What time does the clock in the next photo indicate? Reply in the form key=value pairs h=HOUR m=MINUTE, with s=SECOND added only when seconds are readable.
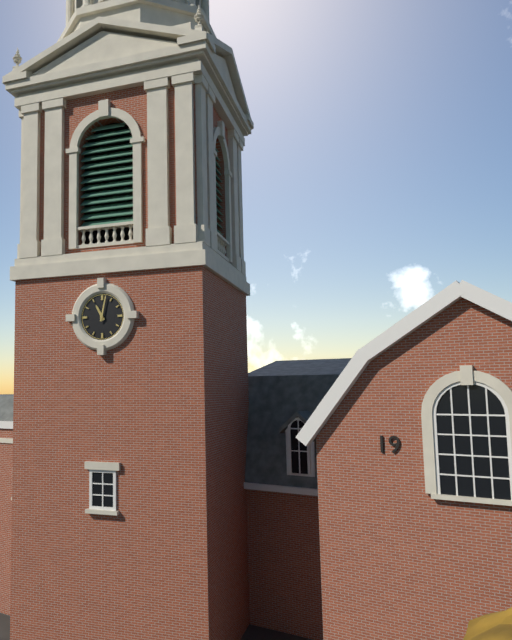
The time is h=11 m=2
